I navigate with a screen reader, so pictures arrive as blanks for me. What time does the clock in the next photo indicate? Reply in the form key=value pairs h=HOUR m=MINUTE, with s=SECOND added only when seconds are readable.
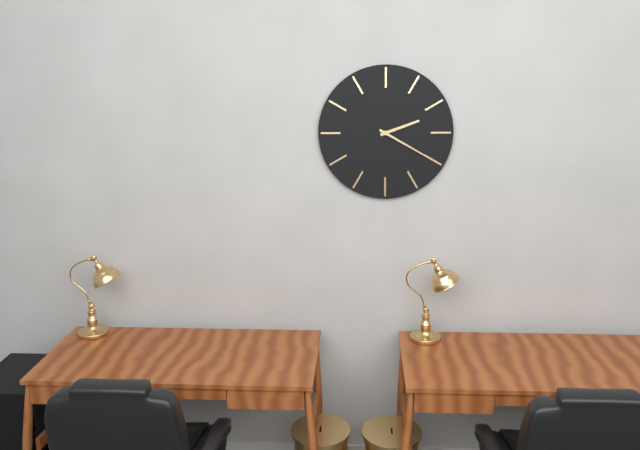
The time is h=2 m=20
